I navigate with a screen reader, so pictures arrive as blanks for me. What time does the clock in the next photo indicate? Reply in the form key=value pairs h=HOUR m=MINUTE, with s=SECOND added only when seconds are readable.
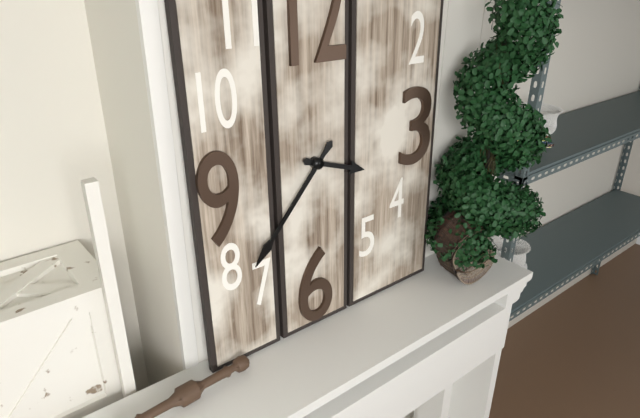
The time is h=3 m=37
